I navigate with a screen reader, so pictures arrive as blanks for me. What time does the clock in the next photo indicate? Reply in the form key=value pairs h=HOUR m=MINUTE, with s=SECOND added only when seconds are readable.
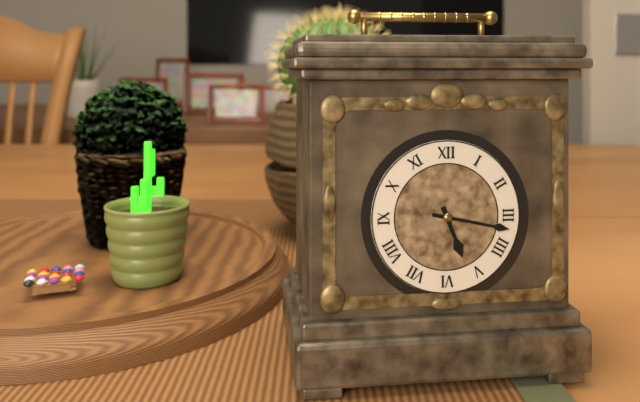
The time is h=5 m=17
